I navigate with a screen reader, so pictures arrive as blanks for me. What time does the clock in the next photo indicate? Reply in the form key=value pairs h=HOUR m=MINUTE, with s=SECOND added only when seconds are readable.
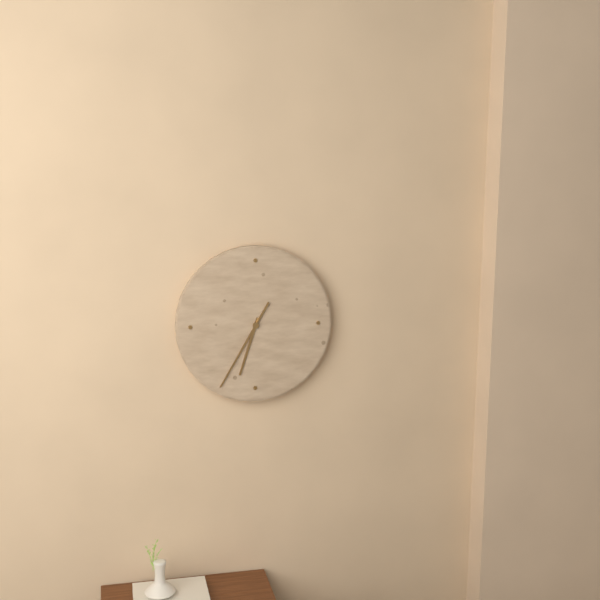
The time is h=6 m=35
